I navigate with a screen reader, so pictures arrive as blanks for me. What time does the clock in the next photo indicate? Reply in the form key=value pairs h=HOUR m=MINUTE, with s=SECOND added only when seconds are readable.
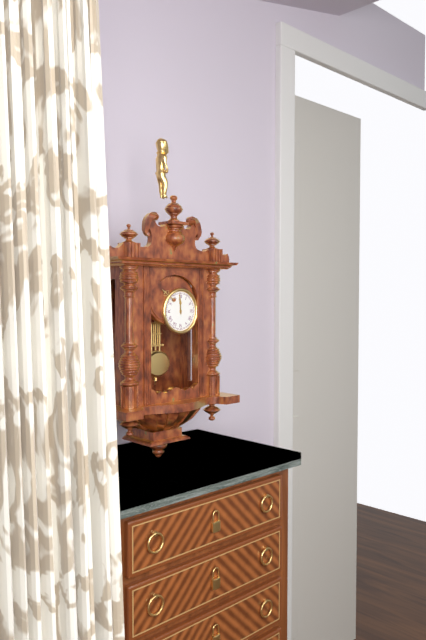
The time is h=11 m=59
